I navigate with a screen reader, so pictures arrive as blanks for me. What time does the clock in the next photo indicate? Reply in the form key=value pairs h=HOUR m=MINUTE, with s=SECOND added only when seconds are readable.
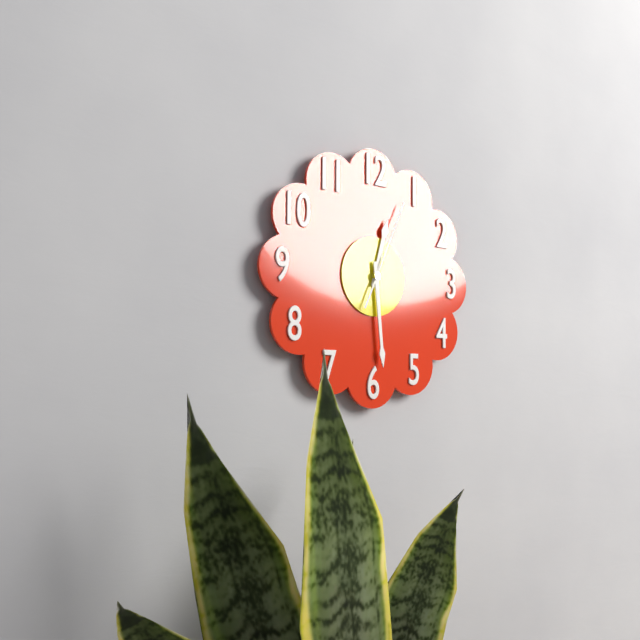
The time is h=12 m=29 s=4
